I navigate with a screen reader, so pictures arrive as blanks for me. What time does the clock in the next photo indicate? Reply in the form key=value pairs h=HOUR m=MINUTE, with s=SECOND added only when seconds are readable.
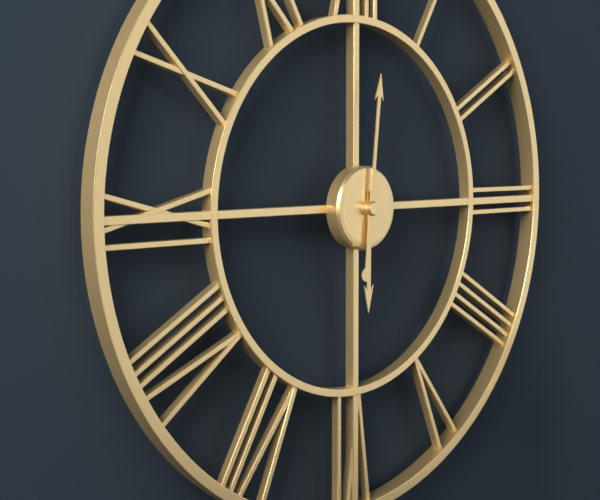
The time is h=6 m=1
